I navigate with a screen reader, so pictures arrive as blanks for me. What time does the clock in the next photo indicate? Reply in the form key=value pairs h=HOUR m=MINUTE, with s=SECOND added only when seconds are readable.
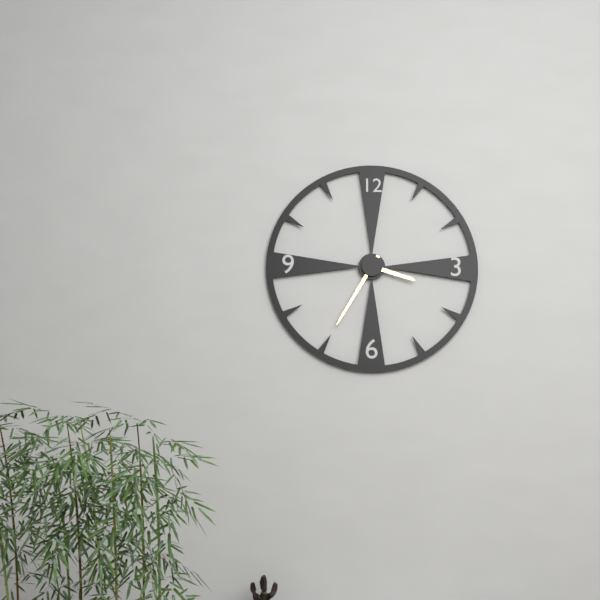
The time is h=3 m=35
